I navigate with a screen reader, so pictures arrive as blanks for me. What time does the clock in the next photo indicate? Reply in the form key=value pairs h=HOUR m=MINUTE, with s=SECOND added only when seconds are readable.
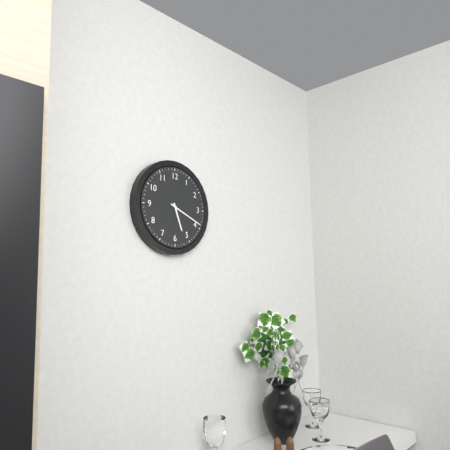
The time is h=5 m=19
